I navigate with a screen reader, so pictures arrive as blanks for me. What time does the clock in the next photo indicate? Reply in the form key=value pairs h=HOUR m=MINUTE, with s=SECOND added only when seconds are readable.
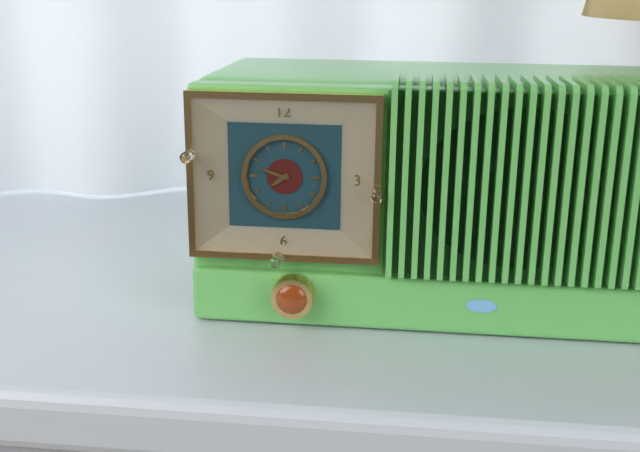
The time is h=7 m=48
